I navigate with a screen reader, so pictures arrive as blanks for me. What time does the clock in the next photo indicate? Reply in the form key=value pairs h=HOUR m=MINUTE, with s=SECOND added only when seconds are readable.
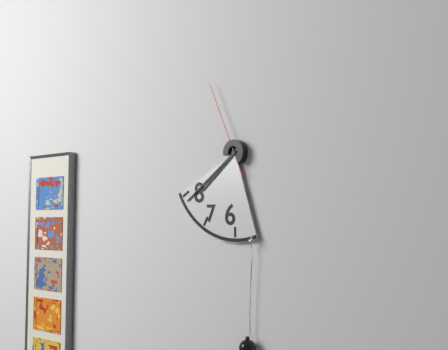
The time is h=7 m=39 s=56
